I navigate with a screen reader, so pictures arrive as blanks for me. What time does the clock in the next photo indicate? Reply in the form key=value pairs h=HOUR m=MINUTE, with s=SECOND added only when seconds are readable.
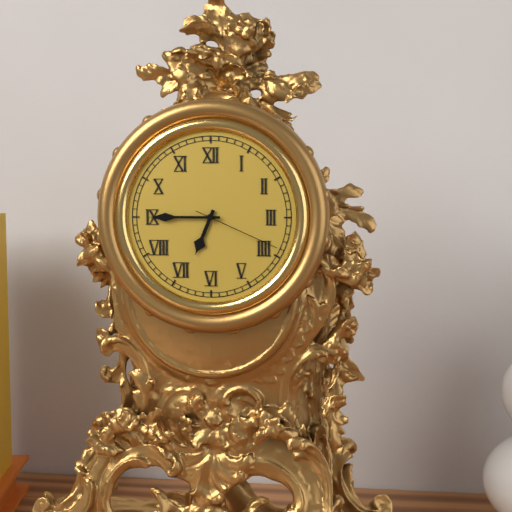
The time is h=6 m=45 s=19
